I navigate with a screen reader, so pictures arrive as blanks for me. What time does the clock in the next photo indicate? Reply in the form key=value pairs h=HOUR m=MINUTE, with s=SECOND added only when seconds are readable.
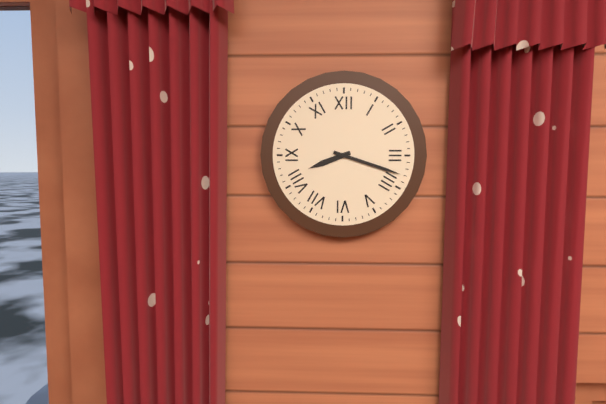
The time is h=8 m=18
